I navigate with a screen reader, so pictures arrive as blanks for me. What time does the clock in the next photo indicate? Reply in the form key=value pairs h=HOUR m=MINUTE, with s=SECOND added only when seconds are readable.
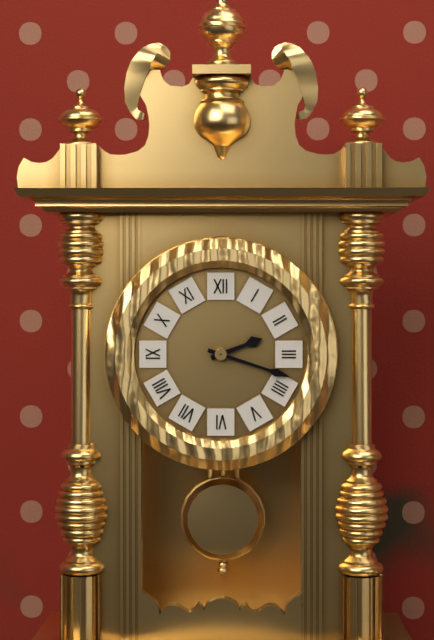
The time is h=2 m=18
